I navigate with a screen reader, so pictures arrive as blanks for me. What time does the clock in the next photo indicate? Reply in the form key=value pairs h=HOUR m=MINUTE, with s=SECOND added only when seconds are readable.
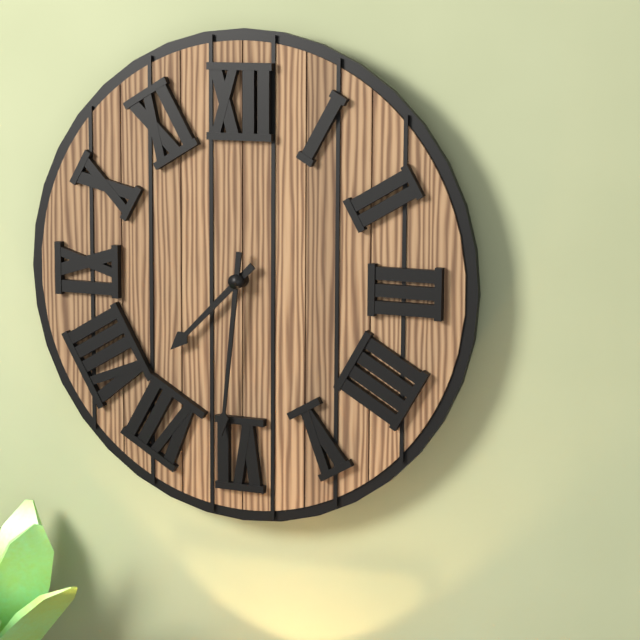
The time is h=7 m=31
